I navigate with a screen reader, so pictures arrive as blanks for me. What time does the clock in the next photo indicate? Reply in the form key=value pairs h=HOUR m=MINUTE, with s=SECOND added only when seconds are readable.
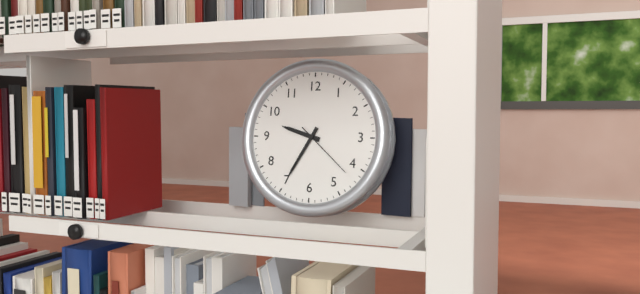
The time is h=9 m=35 s=22
